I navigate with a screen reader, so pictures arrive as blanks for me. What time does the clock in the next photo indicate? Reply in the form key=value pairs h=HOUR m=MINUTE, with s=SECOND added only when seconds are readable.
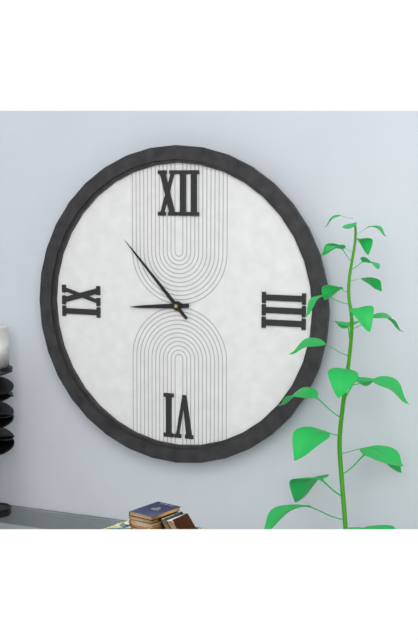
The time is h=8 m=53
